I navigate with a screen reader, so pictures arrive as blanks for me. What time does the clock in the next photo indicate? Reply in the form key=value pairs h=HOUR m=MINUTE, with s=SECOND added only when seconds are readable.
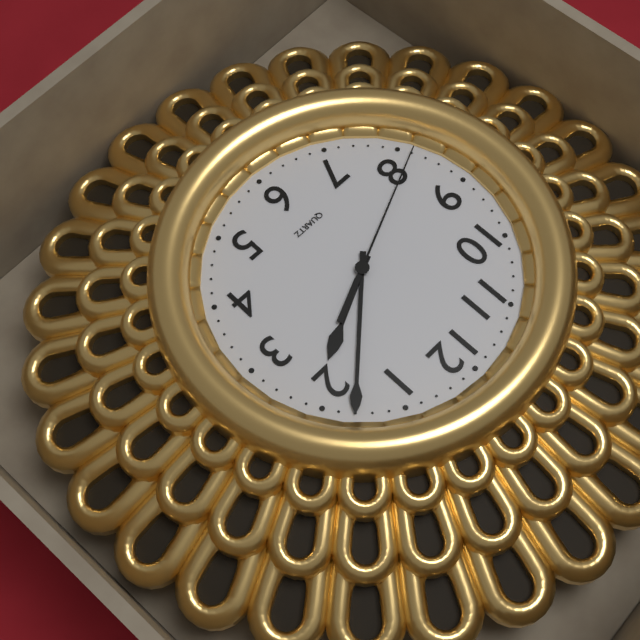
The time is h=2 m=8 s=41
